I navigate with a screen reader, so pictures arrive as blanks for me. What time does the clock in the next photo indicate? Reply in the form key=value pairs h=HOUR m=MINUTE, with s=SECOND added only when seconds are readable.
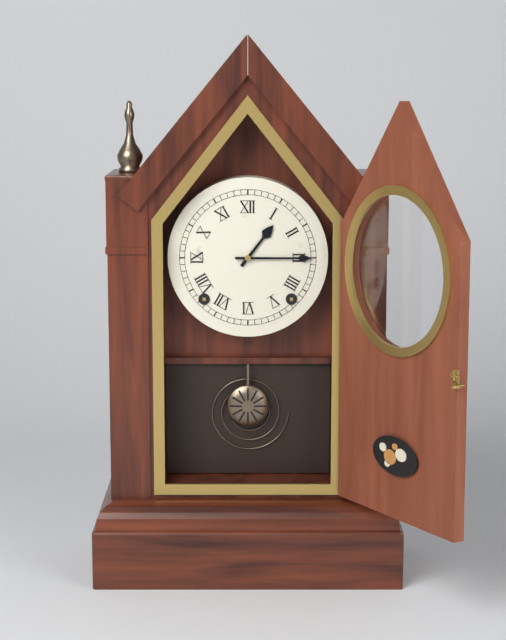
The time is h=1 m=15
